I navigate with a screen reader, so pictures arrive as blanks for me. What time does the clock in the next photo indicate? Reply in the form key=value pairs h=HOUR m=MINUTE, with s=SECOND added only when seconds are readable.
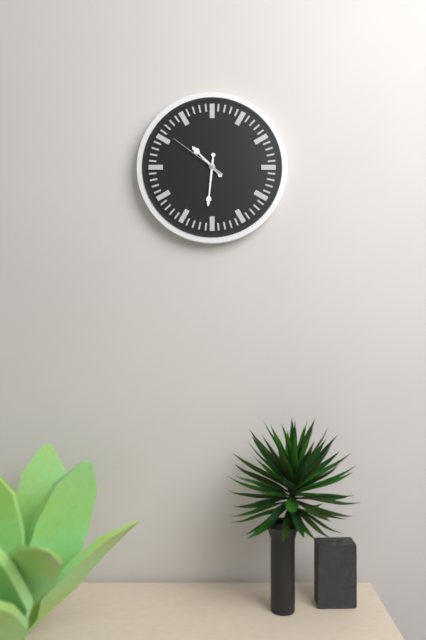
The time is h=10 m=31 s=51
